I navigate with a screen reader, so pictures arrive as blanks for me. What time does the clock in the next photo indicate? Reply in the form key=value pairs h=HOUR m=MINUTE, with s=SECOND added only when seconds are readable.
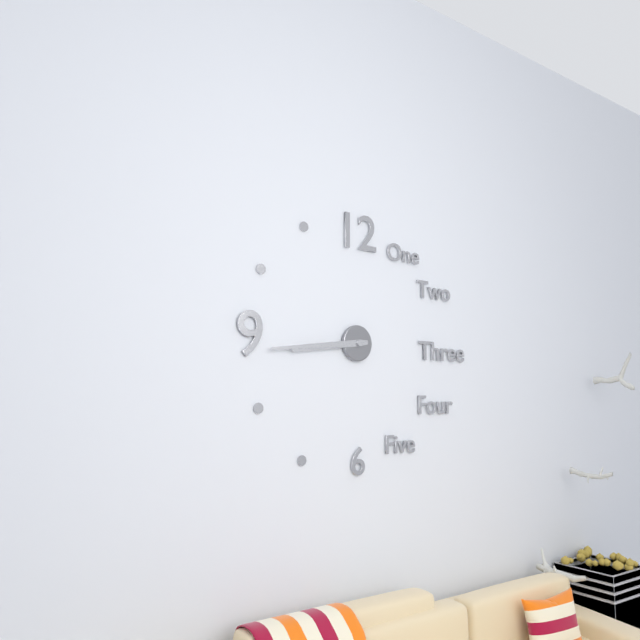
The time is h=8 m=44
